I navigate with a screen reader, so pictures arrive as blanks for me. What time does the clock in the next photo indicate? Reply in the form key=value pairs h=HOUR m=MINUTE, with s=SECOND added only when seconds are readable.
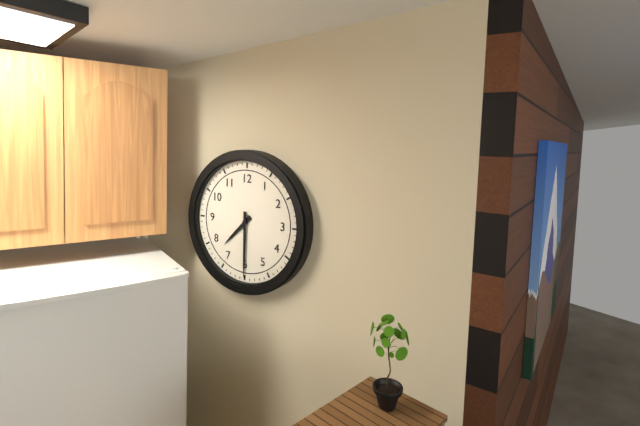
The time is h=7 m=30
